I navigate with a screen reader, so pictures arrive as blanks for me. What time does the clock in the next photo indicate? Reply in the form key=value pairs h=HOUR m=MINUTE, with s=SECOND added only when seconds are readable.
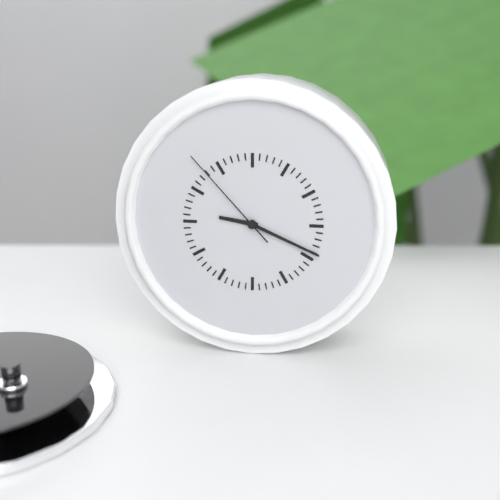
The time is h=9 m=19 s=53
